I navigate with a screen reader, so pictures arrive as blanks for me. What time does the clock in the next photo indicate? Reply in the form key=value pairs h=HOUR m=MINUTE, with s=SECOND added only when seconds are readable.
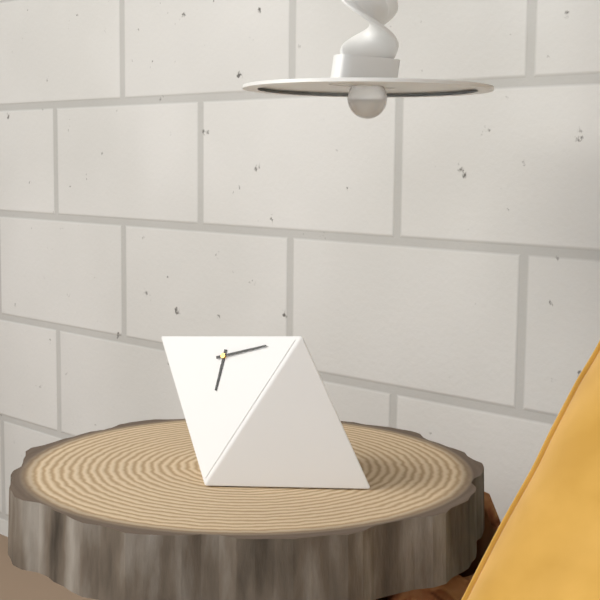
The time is h=6 m=13
